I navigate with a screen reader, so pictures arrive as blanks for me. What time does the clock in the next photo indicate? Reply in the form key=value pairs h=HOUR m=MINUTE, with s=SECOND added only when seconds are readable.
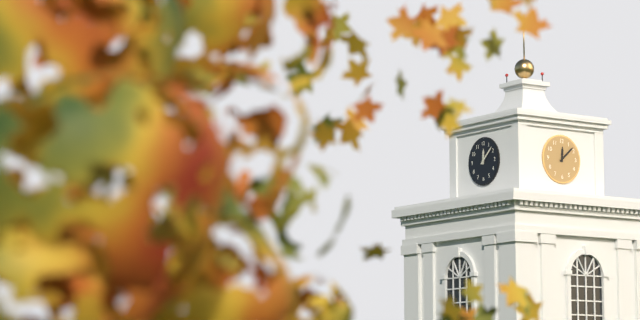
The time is h=12 m=8
